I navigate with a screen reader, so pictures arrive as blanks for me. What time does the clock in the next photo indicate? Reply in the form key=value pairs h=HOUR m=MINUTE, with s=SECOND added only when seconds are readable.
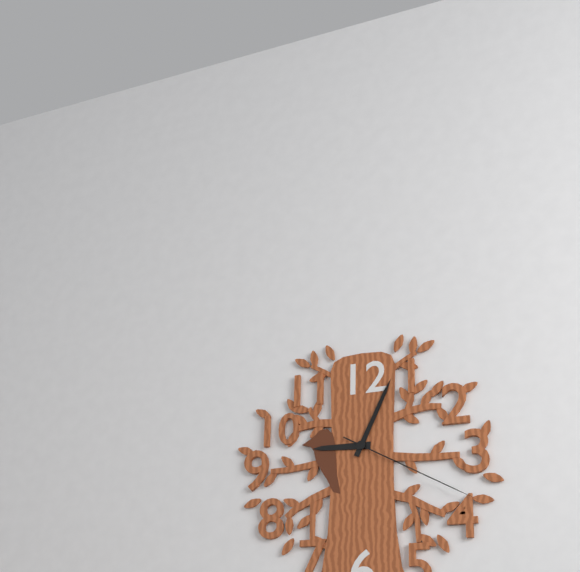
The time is h=9 m=4 s=20
